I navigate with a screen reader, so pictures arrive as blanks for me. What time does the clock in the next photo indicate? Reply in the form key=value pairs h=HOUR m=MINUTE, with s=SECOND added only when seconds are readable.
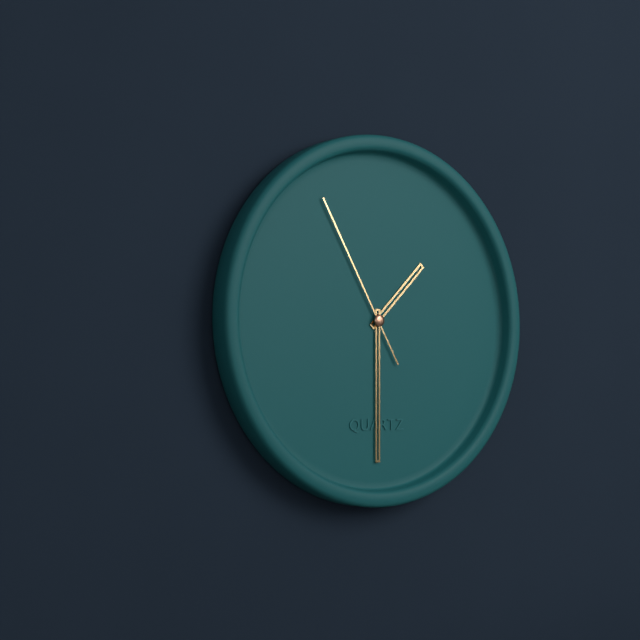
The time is h=1 m=30 s=55
